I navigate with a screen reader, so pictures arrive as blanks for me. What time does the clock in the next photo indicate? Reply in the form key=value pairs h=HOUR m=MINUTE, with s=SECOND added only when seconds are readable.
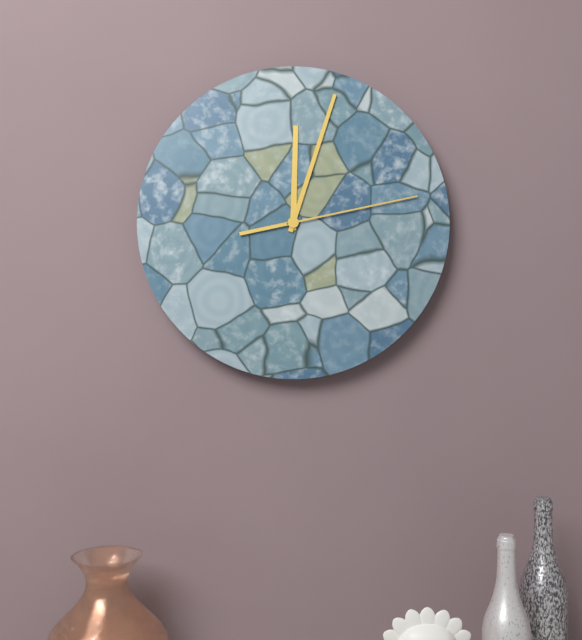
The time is h=12 m=3 s=13
